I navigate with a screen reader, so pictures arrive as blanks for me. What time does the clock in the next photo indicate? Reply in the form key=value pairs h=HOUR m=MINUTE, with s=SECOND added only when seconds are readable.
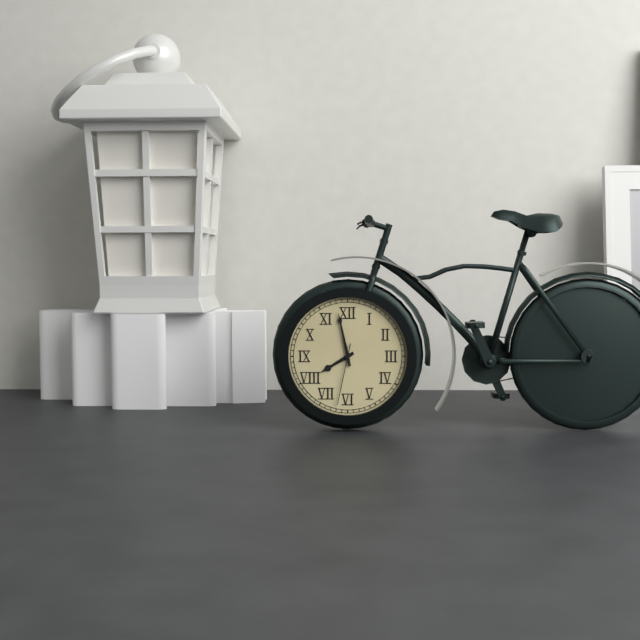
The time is h=7 m=58 s=32
